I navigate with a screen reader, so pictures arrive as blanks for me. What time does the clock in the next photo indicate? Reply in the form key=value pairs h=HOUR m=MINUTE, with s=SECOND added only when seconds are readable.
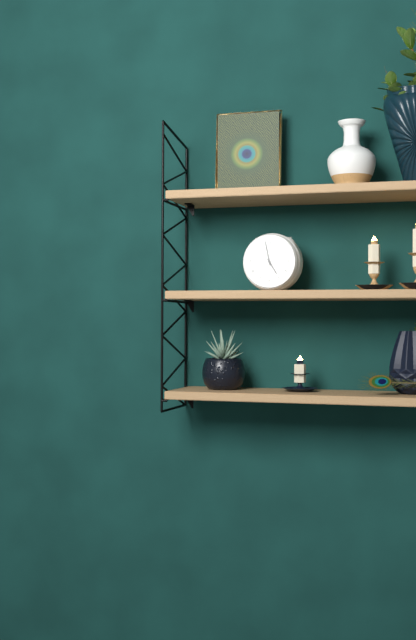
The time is h=4 m=58
